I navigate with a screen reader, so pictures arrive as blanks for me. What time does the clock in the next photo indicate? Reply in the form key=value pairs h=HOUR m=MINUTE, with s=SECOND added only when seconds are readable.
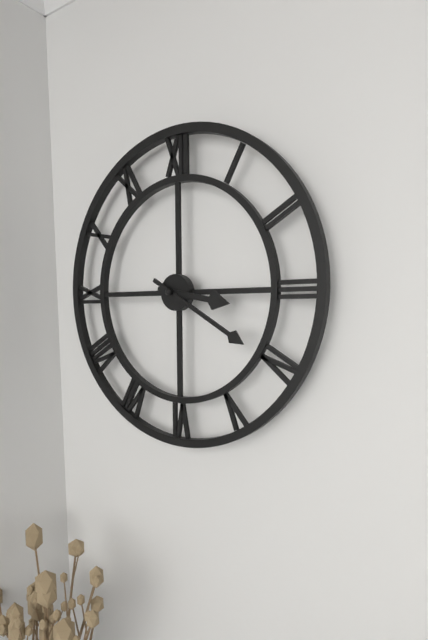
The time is h=3 m=20
